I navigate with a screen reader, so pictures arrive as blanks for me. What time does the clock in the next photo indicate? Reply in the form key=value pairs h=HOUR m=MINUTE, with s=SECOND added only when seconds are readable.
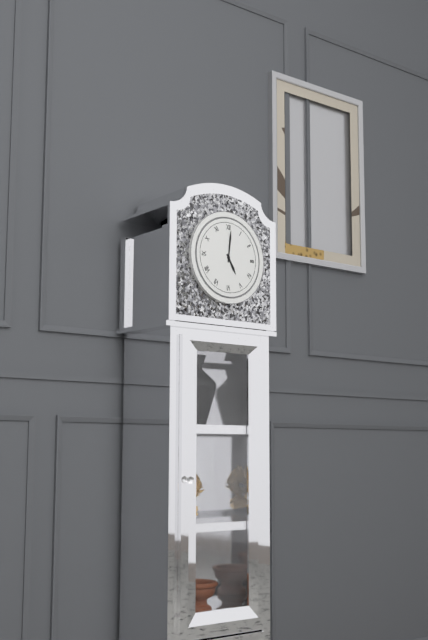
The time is h=5 m=1
